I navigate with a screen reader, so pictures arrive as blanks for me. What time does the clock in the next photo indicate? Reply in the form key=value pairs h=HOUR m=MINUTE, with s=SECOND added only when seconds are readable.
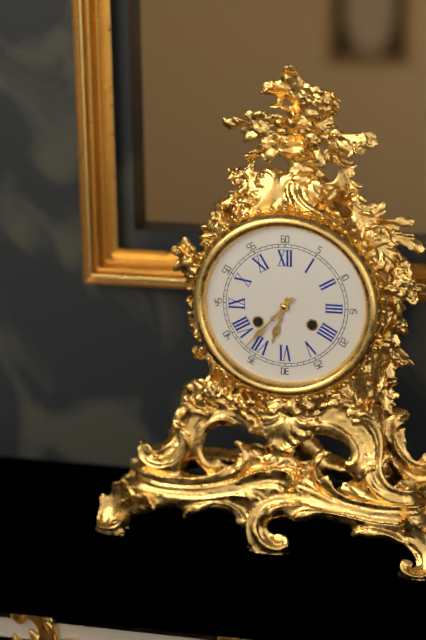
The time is h=6 m=37
